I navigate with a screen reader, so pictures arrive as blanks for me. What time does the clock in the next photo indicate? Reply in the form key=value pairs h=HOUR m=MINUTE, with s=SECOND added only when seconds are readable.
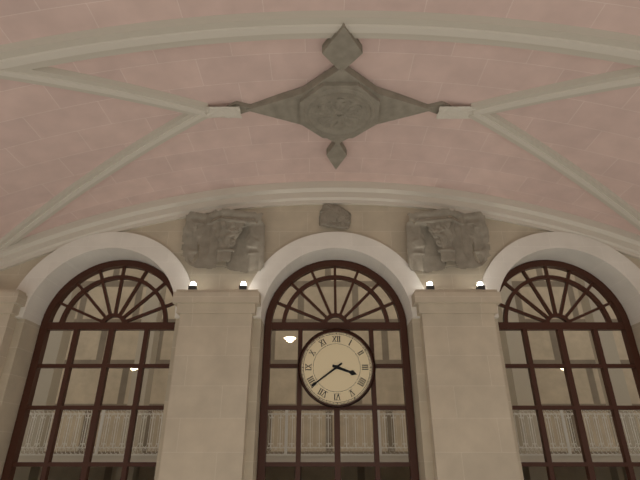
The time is h=3 m=39
